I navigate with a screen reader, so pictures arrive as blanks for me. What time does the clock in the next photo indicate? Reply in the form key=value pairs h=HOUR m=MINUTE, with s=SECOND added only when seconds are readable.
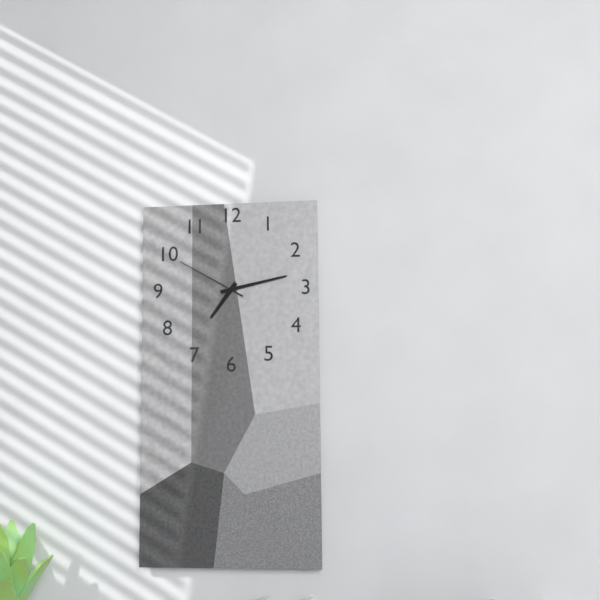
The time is h=7 m=13 s=50
